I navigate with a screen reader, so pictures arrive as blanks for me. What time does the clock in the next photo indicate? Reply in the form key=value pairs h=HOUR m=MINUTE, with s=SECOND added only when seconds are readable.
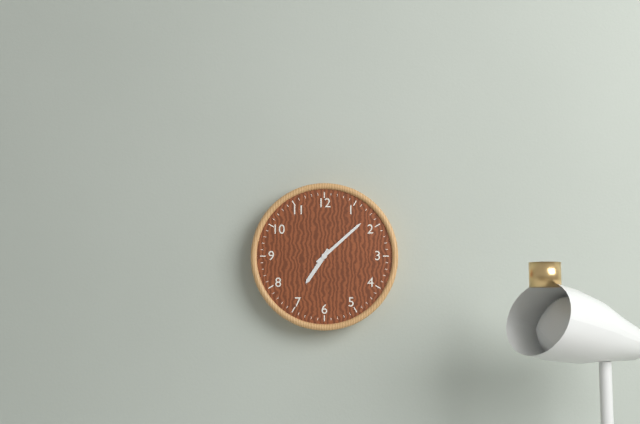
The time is h=7 m=8
